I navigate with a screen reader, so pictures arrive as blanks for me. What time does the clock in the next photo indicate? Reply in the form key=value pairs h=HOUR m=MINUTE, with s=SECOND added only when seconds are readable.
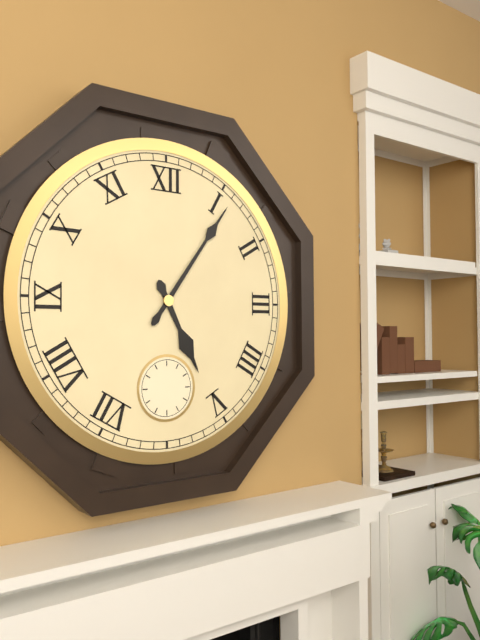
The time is h=5 m=6
